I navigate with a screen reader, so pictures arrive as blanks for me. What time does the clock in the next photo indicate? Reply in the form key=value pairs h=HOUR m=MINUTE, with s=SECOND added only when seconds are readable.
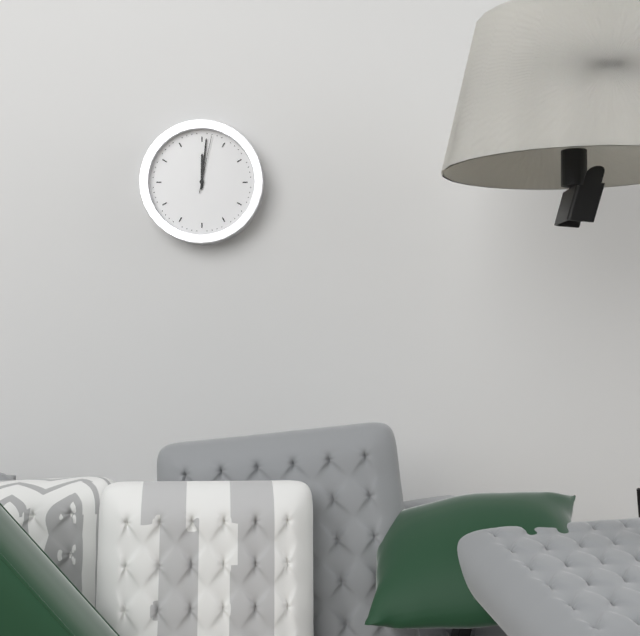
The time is h=12 m=1 s=2
